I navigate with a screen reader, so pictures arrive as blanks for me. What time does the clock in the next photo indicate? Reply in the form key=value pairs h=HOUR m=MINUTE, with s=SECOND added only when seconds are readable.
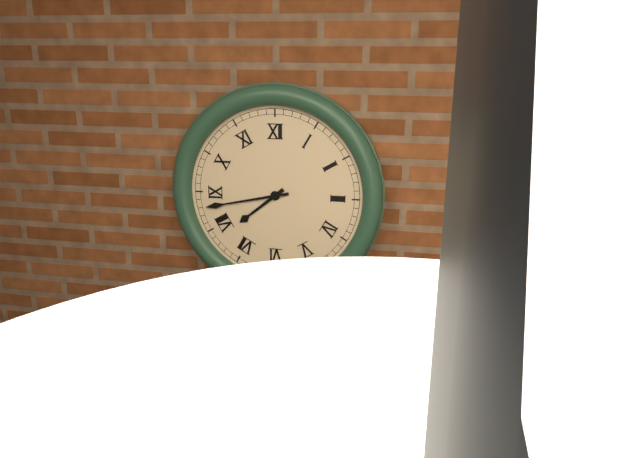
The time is h=7 m=43
